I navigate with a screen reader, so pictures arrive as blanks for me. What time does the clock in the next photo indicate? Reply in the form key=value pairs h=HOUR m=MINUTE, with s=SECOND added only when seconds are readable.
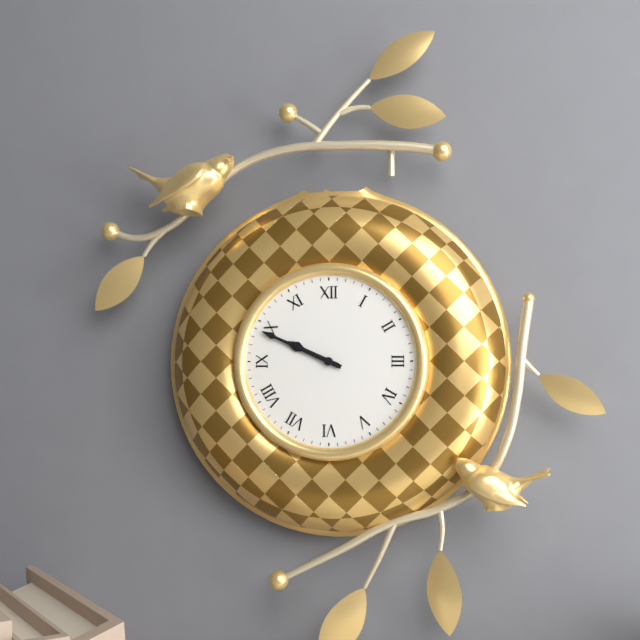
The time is h=9 m=49
